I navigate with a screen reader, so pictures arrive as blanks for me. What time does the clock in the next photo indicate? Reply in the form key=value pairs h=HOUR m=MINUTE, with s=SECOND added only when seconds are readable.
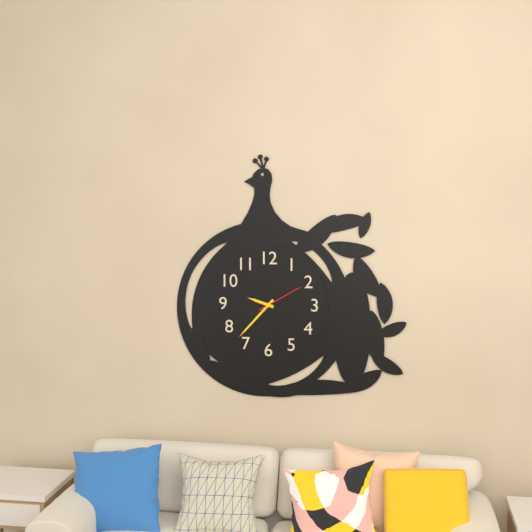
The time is h=9 m=37
